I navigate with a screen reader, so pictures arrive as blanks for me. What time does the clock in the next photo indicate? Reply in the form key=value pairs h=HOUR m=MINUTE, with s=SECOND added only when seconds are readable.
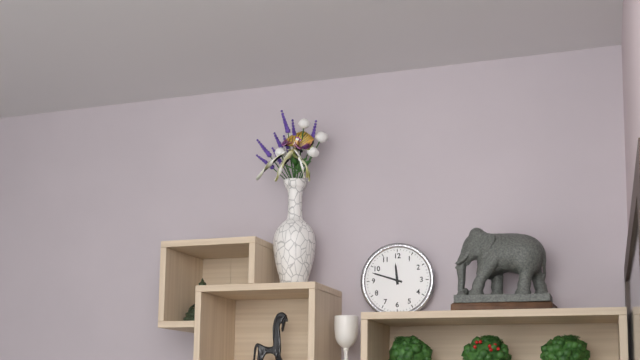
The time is h=11 m=48
